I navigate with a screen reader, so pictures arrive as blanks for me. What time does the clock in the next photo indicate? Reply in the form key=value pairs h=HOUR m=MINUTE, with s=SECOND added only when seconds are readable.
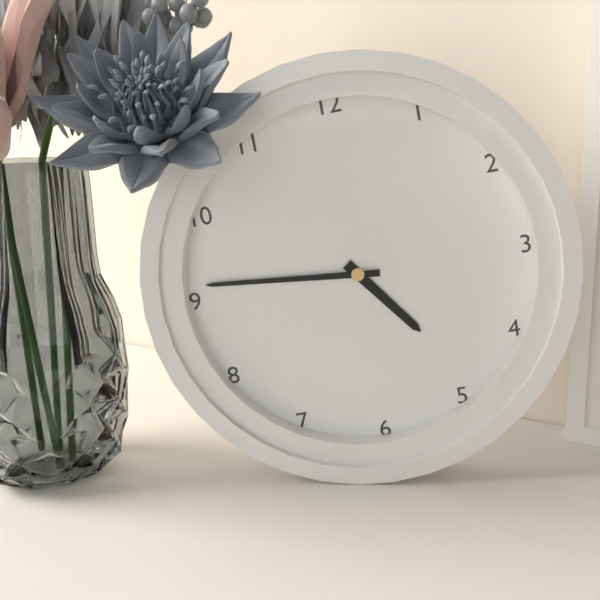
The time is h=4 m=46
